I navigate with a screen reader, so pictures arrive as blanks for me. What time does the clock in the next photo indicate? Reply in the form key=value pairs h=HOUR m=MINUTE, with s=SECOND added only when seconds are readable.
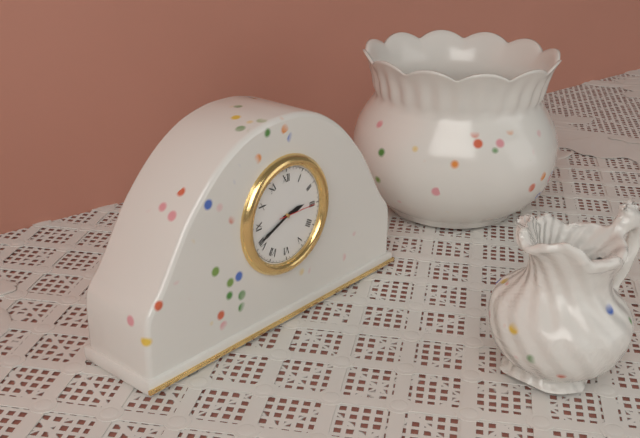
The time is h=2 m=41
